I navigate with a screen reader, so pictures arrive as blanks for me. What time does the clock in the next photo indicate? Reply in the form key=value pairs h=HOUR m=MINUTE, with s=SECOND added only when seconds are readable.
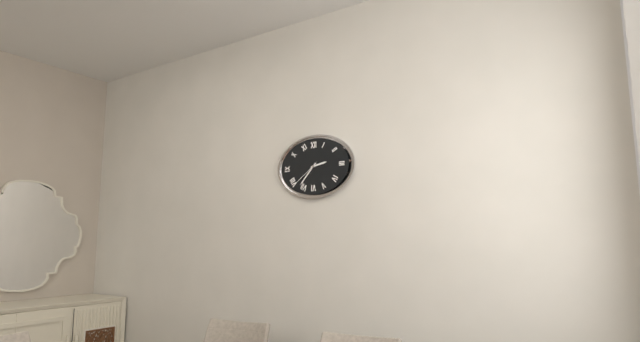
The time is h=2 m=37
